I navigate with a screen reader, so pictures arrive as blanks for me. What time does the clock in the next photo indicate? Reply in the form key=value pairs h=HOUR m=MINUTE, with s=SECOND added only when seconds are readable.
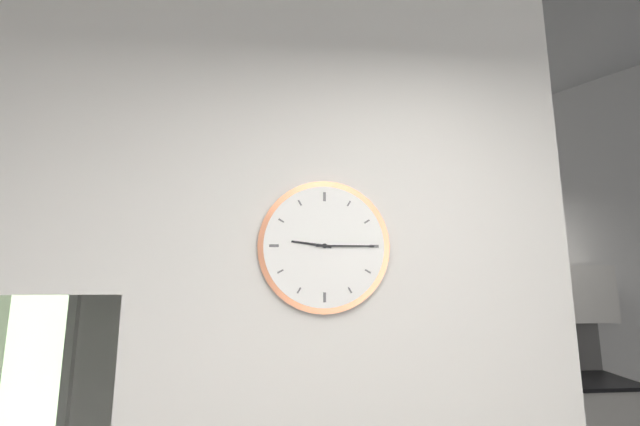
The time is h=9 m=15
